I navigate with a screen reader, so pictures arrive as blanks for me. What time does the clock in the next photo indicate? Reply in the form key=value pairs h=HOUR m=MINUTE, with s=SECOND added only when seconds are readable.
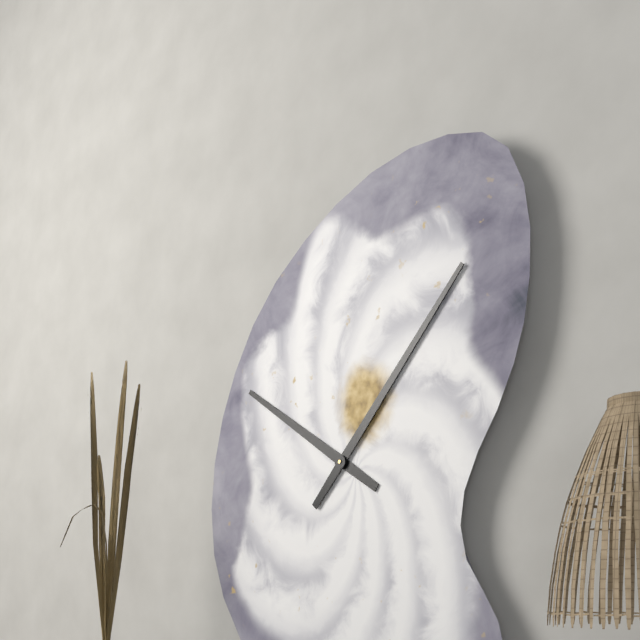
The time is h=10 m=7
